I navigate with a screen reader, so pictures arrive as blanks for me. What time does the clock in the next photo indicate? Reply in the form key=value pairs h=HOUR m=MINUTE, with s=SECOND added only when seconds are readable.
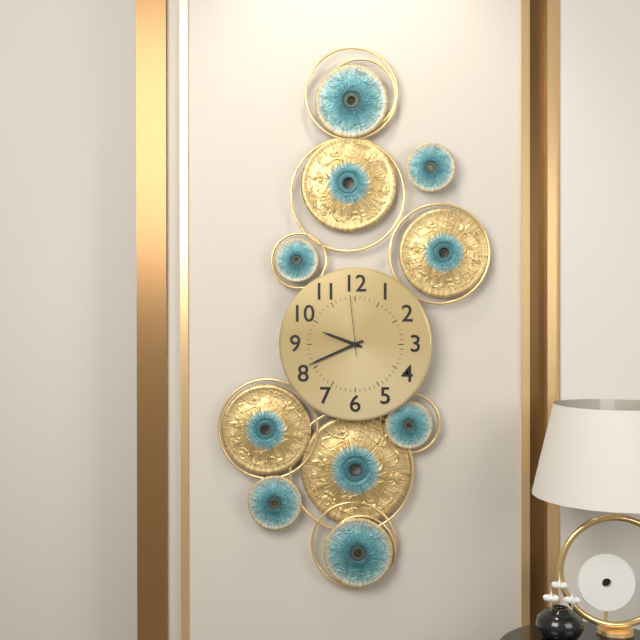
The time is h=9 m=41 s=59
